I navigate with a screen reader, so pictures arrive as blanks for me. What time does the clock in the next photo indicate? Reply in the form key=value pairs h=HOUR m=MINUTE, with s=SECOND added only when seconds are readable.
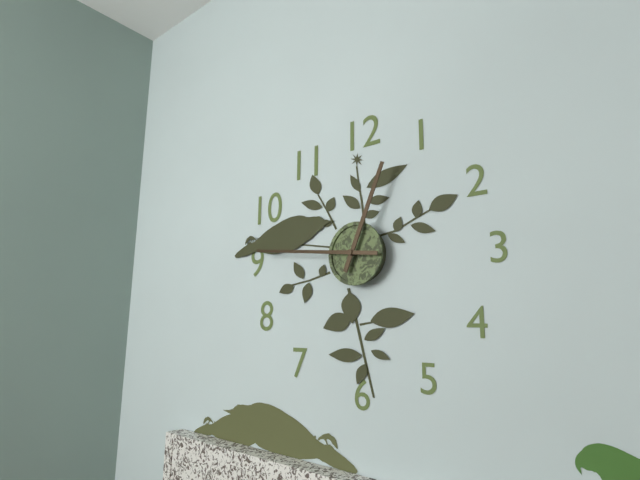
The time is h=12 m=46
